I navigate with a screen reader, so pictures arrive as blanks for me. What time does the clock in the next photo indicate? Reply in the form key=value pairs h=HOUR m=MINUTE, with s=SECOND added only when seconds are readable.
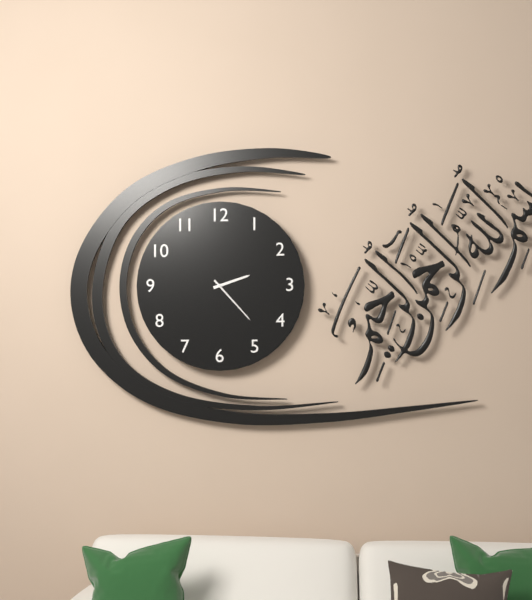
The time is h=2 m=23
